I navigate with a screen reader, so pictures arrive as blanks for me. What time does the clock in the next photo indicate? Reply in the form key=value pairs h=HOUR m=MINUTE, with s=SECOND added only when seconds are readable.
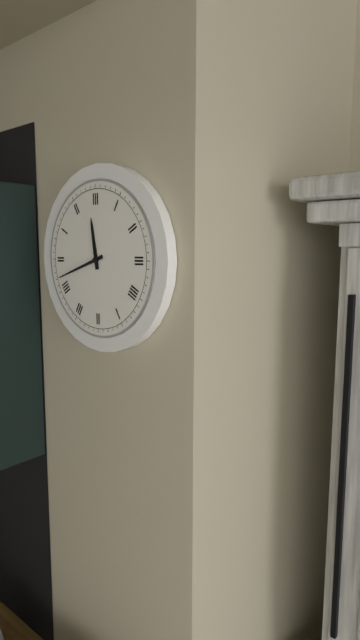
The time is h=11 m=42
